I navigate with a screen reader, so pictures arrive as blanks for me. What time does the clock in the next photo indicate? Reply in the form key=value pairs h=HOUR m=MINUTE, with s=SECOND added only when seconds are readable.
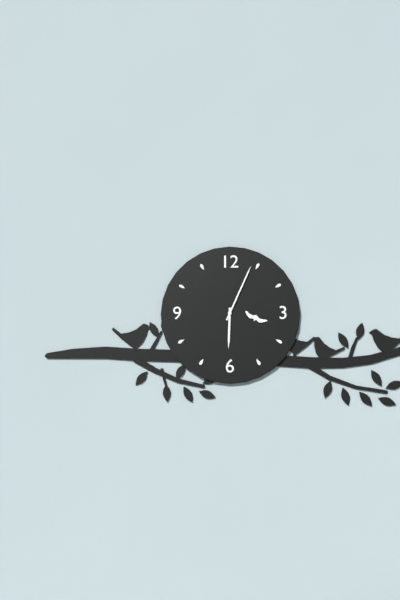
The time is h=6 m=4
